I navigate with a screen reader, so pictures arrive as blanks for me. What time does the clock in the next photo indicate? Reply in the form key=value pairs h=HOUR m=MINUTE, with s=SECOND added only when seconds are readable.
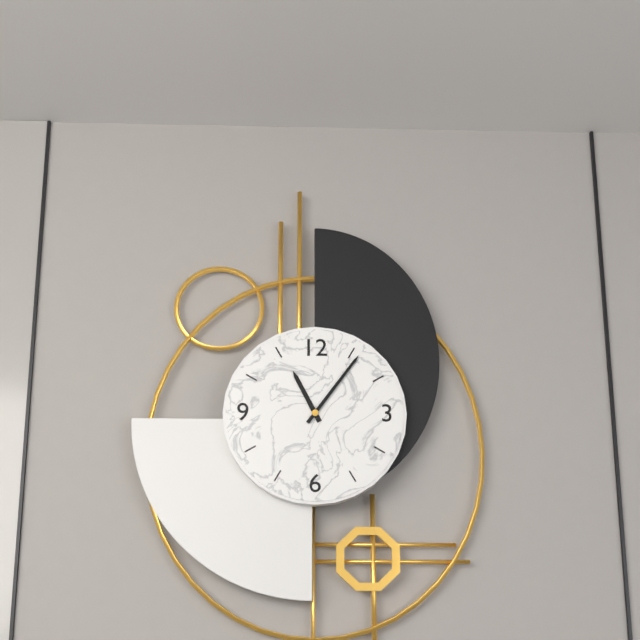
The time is h=11 m=6
